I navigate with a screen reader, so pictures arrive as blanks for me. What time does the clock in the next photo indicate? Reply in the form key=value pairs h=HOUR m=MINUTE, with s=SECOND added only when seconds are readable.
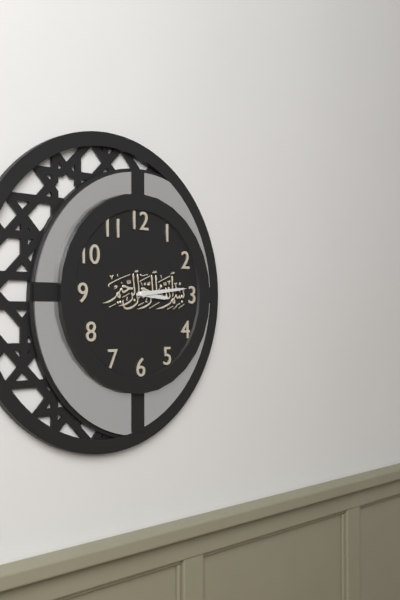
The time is h=3 m=14
